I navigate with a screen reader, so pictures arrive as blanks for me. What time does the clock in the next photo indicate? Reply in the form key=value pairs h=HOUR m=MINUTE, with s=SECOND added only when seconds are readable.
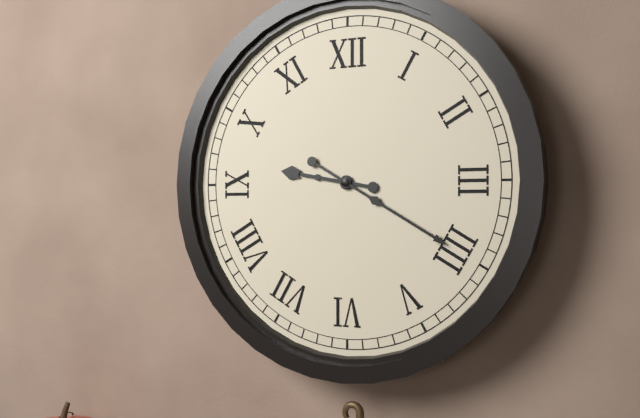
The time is h=9 m=20
